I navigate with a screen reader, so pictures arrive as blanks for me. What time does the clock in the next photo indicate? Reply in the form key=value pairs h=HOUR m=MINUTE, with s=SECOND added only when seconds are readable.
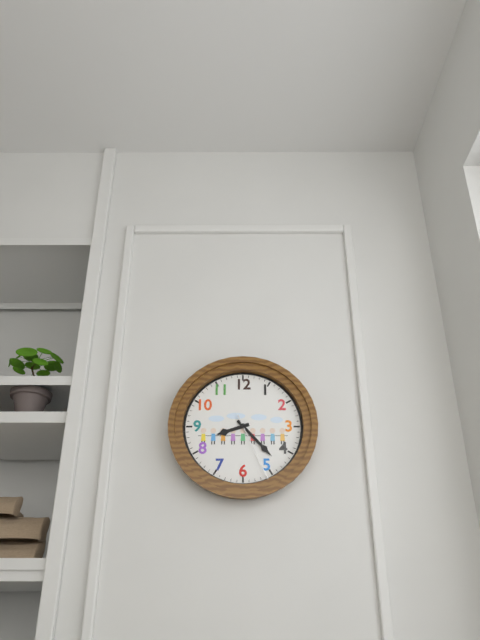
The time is h=8 m=23 s=26
